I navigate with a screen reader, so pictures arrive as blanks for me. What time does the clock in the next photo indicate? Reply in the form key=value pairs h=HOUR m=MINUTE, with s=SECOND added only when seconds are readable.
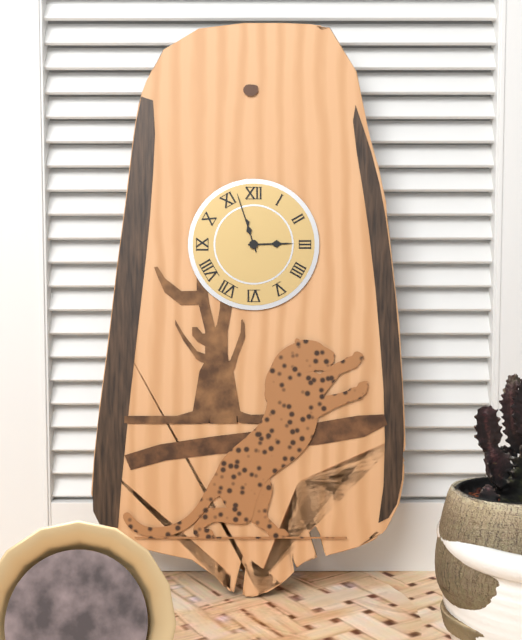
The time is h=2 m=57
